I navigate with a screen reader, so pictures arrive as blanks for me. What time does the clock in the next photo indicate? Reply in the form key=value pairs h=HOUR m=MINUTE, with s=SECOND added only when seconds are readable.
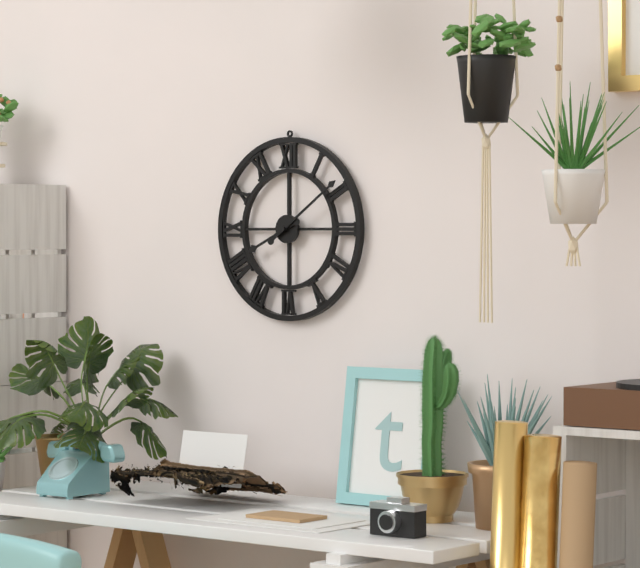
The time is h=8 m=9
